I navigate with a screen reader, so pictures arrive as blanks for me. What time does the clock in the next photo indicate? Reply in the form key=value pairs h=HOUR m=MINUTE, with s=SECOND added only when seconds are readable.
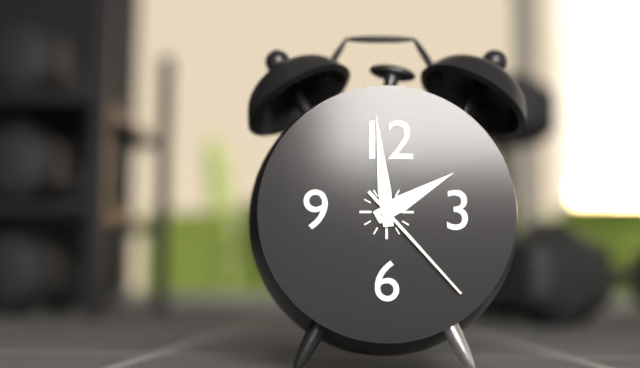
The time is h=1 m=59 s=23
